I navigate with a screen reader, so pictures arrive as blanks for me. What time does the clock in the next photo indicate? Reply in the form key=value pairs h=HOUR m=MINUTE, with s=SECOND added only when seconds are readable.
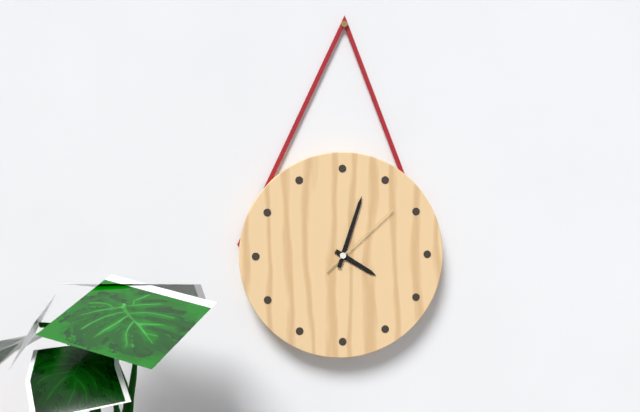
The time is h=4 m=3 s=8
